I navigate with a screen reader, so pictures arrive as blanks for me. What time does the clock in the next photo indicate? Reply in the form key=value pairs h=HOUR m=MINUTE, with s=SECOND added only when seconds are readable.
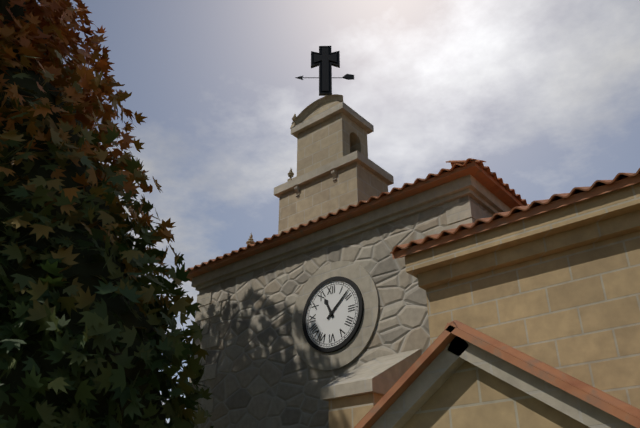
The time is h=11 m=8
